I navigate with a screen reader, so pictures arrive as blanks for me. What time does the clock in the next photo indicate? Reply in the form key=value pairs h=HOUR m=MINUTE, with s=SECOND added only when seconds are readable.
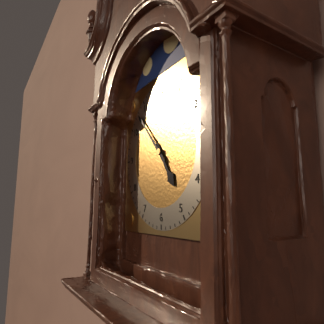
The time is h=4 m=53
